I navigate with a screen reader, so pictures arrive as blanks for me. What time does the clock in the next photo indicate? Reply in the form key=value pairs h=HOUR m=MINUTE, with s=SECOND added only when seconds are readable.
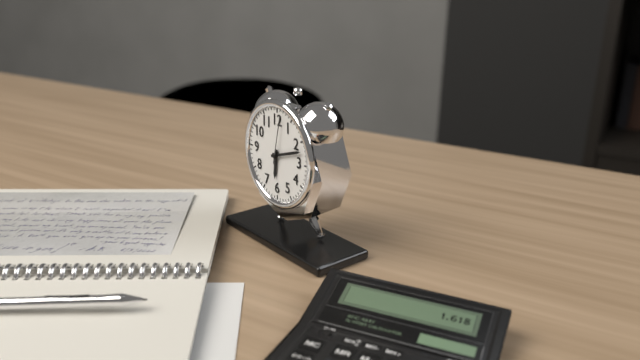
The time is h=6 m=12 s=2
